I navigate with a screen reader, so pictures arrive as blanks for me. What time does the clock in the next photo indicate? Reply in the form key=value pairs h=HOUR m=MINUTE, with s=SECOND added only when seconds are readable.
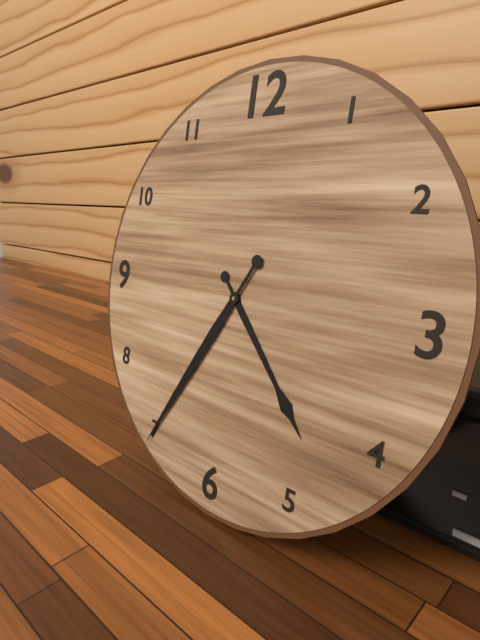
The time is h=4 m=35
